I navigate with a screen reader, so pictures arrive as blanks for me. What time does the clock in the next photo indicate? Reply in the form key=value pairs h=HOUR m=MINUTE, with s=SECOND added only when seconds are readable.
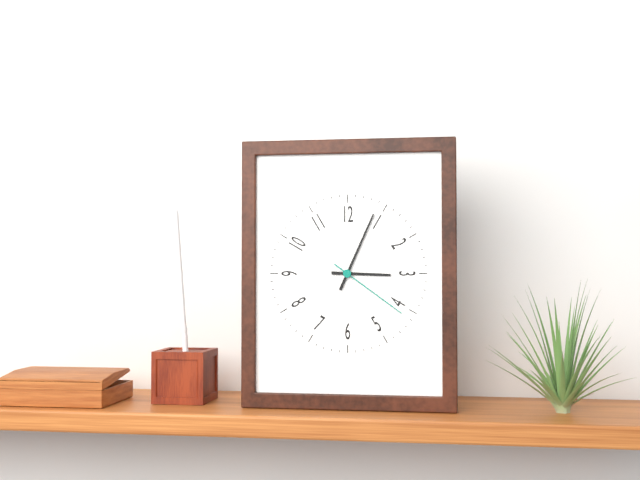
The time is h=3 m=4 s=21
